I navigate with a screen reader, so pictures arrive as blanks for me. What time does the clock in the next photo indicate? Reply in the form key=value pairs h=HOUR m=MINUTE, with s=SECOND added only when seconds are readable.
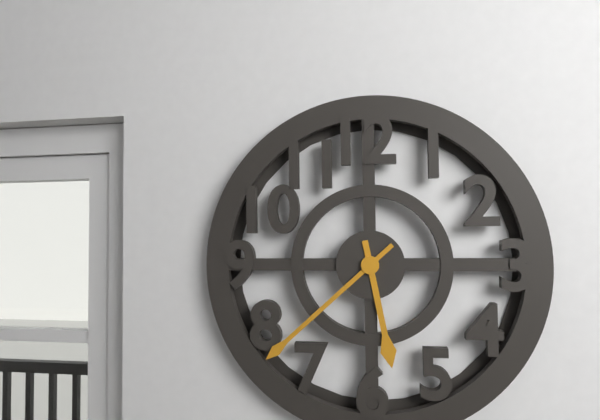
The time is h=5 m=38
